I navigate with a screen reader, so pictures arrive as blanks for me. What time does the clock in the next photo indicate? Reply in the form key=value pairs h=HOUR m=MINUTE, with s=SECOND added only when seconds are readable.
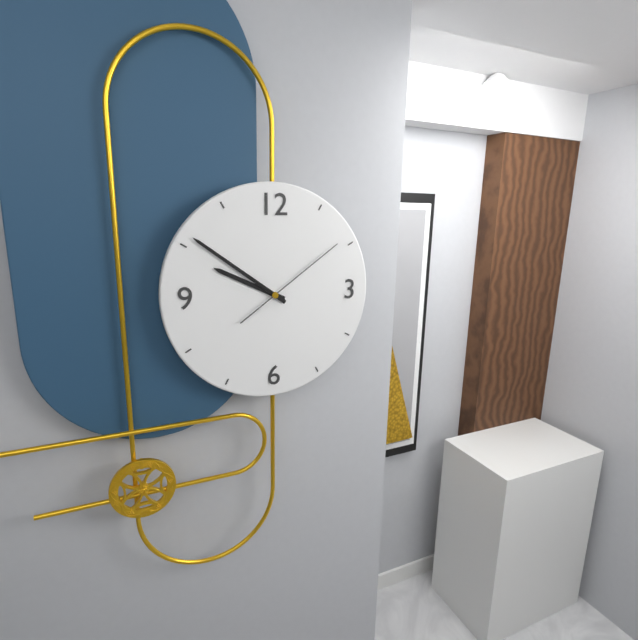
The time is h=9 m=51 s=9
